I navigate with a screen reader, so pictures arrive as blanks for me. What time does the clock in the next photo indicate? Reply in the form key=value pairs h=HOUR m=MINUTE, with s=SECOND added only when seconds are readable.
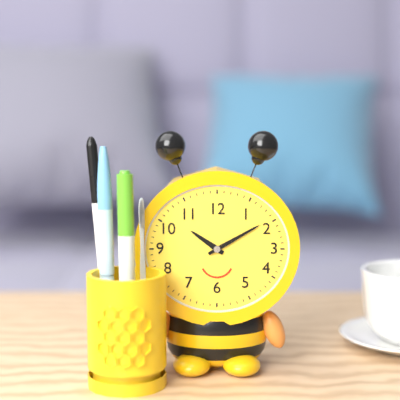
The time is h=10 m=10
